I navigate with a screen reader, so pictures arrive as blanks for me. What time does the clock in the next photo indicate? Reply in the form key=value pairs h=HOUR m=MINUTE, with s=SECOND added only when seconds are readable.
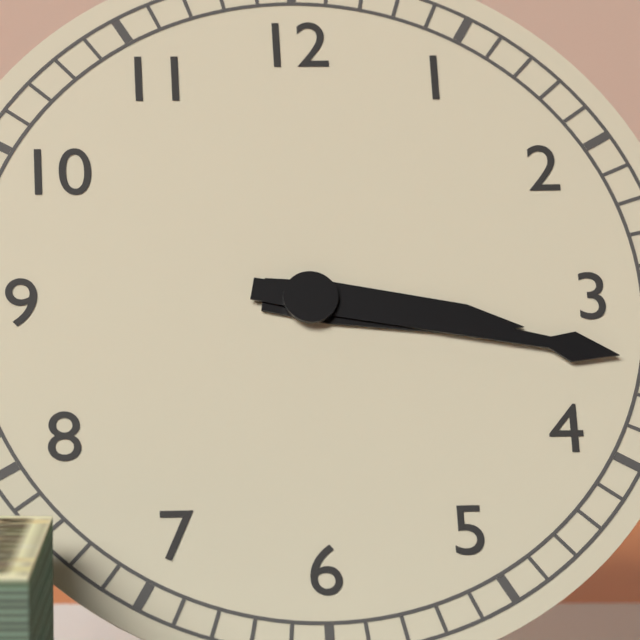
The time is h=3 m=17
